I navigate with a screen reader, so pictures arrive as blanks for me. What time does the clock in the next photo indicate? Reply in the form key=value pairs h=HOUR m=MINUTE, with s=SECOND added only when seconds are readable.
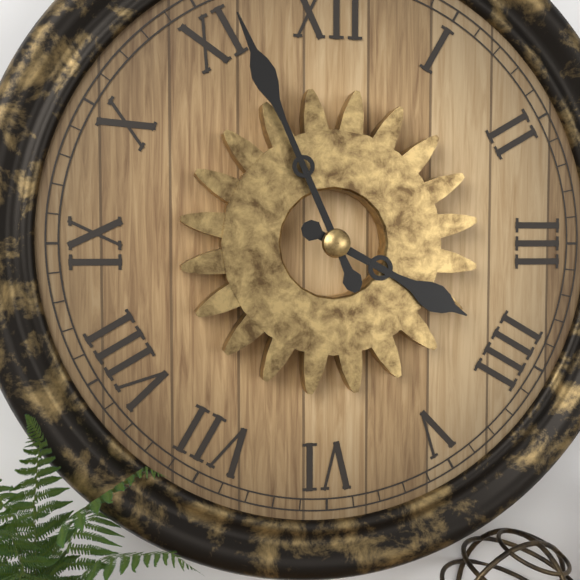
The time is h=3 m=56
